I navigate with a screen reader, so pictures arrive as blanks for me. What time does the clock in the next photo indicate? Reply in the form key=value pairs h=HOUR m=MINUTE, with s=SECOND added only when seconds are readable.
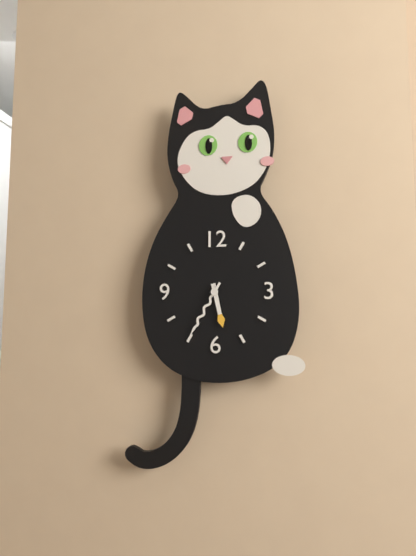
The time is h=5 m=35
